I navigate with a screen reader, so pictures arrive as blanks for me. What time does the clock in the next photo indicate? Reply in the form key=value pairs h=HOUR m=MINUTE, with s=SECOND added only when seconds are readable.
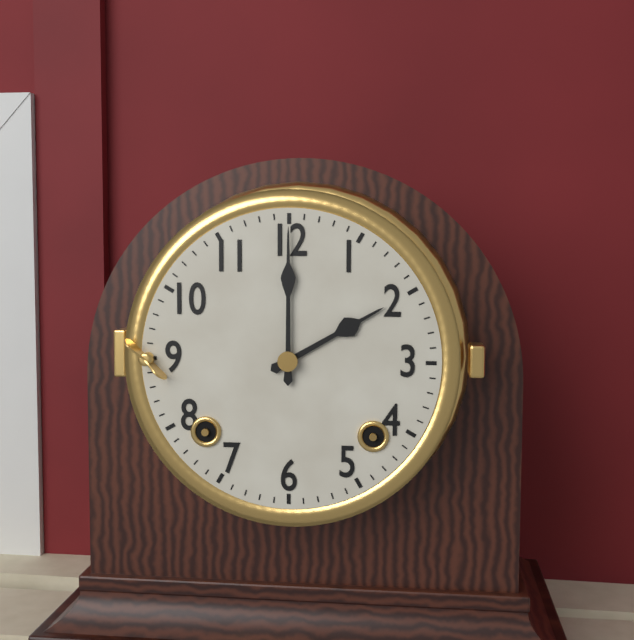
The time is h=2 m=0
